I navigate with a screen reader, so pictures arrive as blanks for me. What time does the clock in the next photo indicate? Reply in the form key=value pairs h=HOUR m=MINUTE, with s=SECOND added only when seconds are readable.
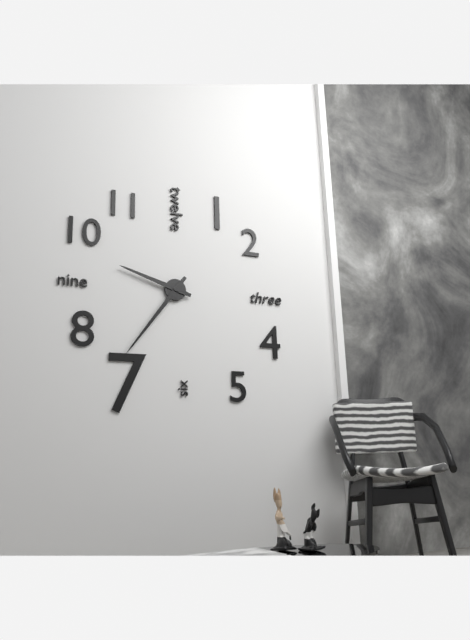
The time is h=9 m=36
